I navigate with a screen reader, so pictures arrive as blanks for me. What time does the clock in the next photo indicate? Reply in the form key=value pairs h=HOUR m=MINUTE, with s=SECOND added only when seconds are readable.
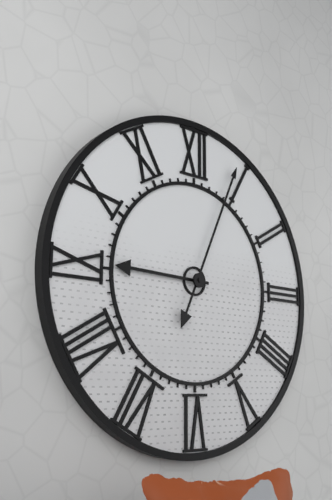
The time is h=9 m=4
